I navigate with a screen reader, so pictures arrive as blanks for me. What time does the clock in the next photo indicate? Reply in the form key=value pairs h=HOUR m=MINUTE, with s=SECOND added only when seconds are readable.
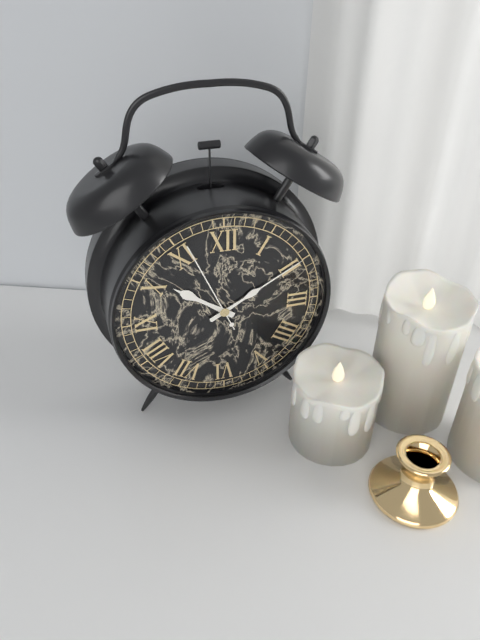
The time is h=10 m=10 s=56
